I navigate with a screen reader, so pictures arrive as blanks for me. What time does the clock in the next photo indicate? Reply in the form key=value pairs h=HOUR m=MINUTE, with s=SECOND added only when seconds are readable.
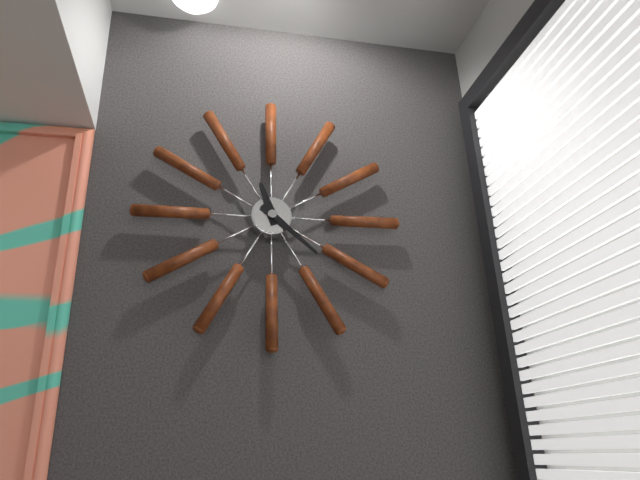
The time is h=11 m=22
